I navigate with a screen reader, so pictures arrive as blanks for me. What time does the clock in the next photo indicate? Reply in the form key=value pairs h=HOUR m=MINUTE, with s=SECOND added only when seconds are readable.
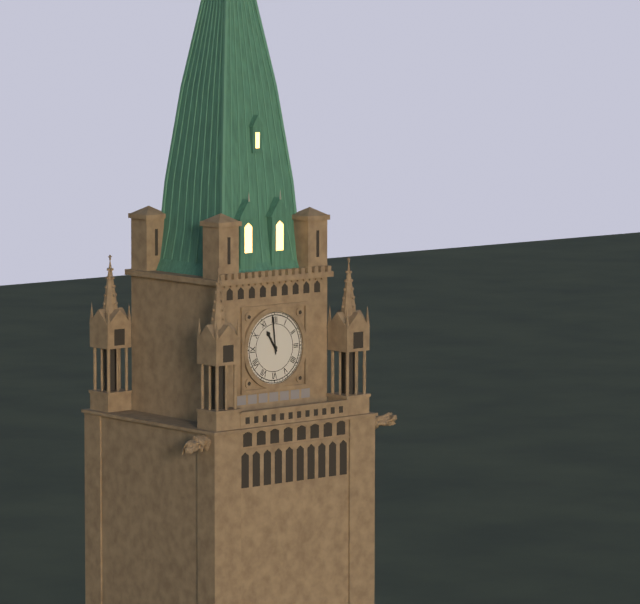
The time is h=10 m=59
